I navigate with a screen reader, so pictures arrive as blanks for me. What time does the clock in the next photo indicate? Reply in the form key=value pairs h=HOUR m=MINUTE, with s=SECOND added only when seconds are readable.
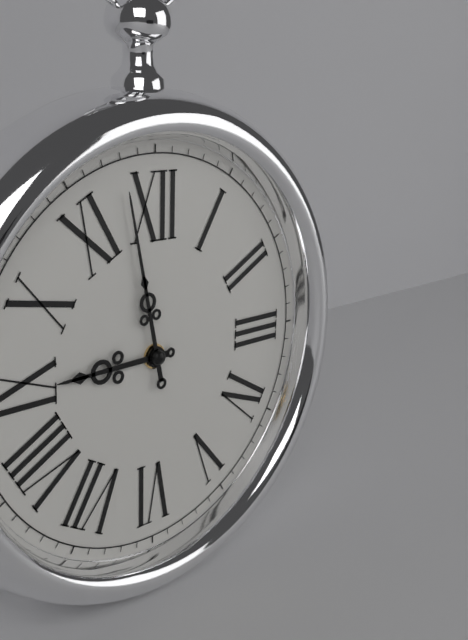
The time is h=8 m=58
